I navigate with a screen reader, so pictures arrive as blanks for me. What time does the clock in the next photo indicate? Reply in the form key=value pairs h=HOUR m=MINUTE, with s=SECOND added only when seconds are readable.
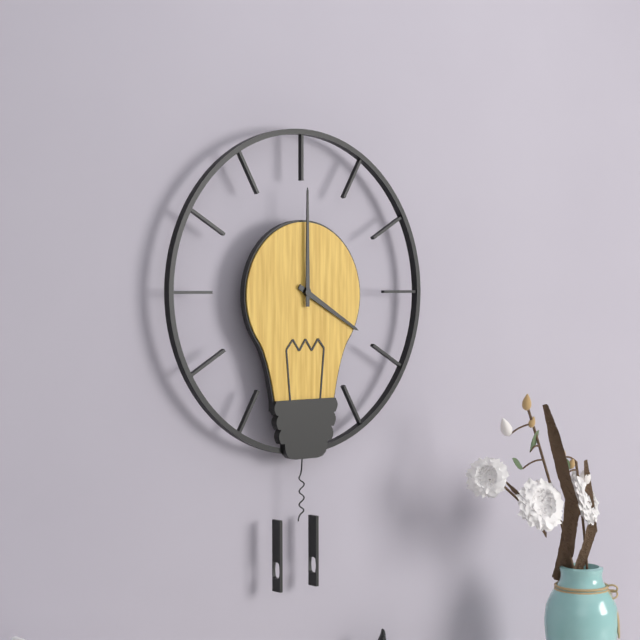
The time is h=4 m=0
